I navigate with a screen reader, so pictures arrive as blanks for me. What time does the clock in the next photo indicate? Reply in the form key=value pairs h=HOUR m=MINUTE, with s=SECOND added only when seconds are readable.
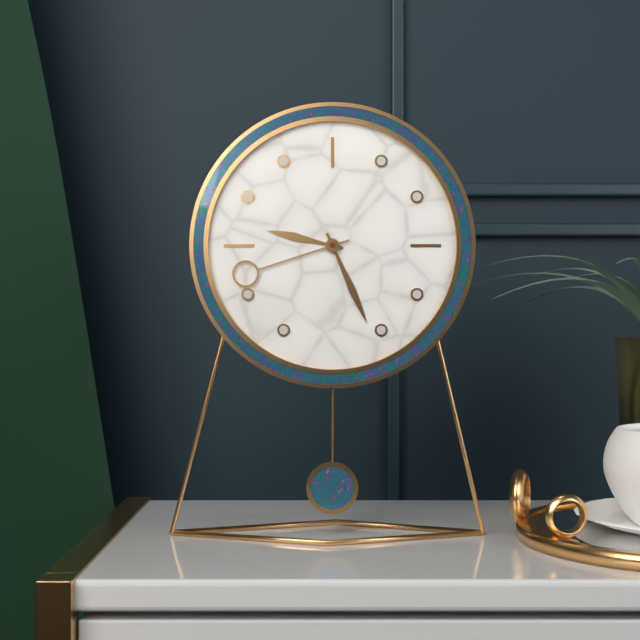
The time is h=9 m=26 s=42
